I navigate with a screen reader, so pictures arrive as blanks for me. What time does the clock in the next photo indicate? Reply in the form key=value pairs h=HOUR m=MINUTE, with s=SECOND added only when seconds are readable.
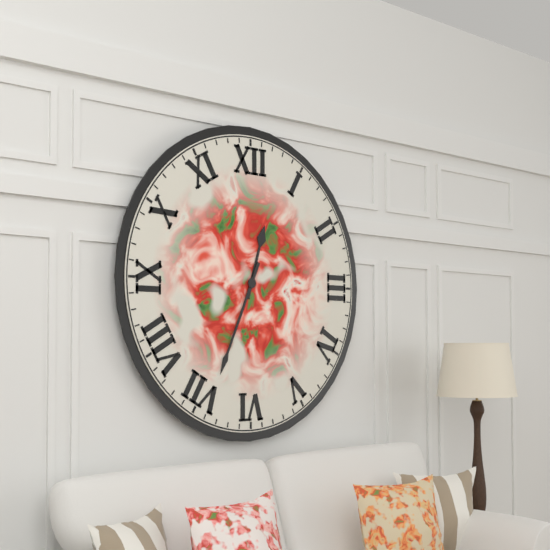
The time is h=12 m=34
